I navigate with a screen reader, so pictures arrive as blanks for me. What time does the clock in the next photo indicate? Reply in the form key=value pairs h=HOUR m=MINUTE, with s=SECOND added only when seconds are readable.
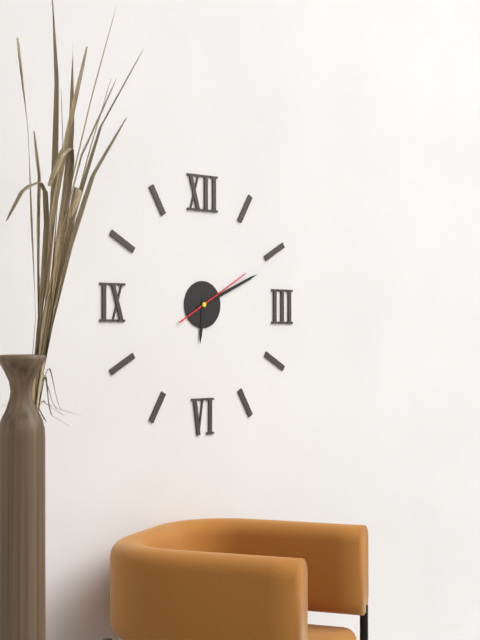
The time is h=6 m=11 s=10
